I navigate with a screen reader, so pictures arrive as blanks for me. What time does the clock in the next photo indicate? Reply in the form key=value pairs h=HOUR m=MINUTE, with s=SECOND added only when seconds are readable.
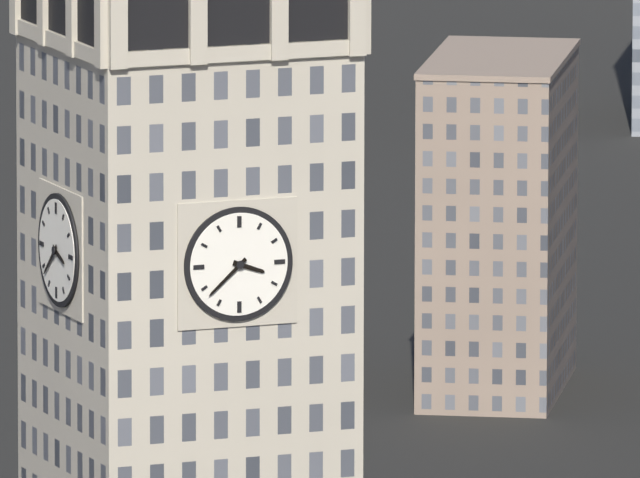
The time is h=3 m=38
